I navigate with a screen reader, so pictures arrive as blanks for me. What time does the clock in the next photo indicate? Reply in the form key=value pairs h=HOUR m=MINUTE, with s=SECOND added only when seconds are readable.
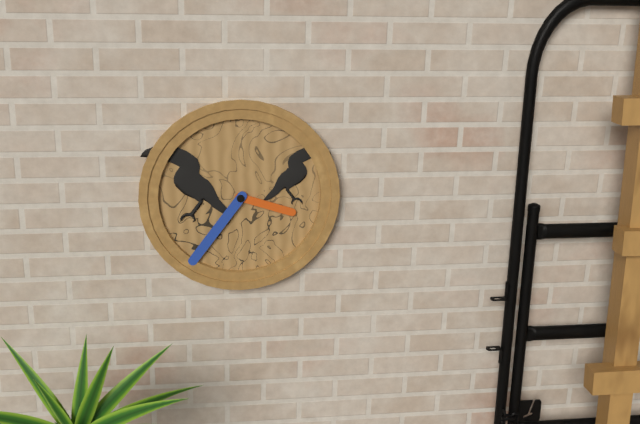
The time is h=3 m=36
